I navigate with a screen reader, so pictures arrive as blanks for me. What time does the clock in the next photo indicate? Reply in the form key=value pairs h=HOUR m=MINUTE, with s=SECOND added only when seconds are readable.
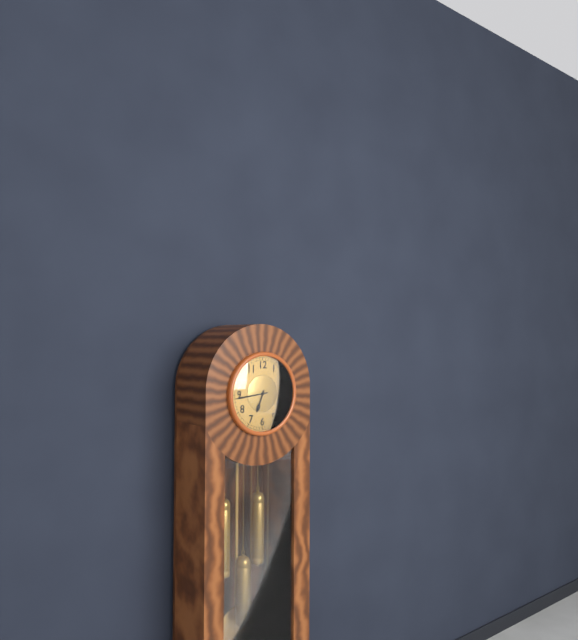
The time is h=6 m=44
